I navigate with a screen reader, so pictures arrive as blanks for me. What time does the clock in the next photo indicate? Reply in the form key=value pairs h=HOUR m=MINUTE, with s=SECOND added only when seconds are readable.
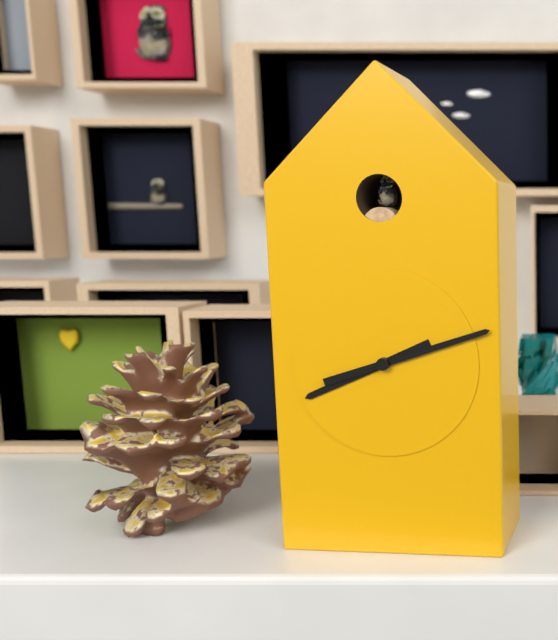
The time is h=8 m=12
